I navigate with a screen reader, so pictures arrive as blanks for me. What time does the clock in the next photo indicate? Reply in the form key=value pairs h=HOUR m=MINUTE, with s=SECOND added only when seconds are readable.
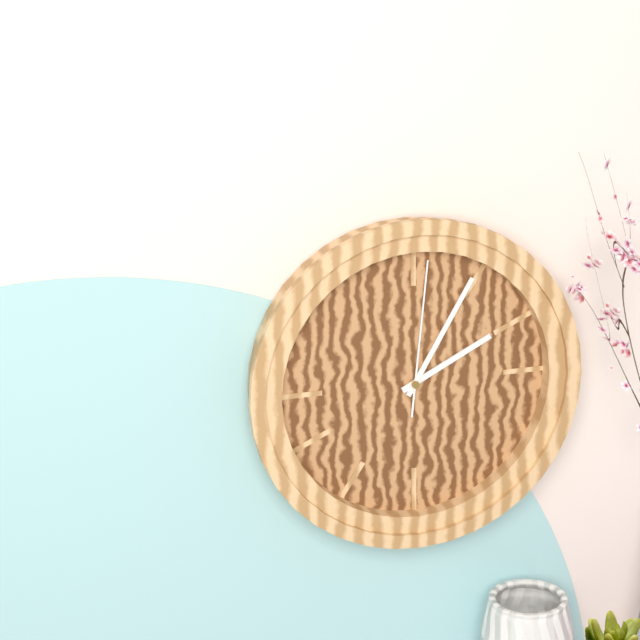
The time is h=2 m=5 s=1
